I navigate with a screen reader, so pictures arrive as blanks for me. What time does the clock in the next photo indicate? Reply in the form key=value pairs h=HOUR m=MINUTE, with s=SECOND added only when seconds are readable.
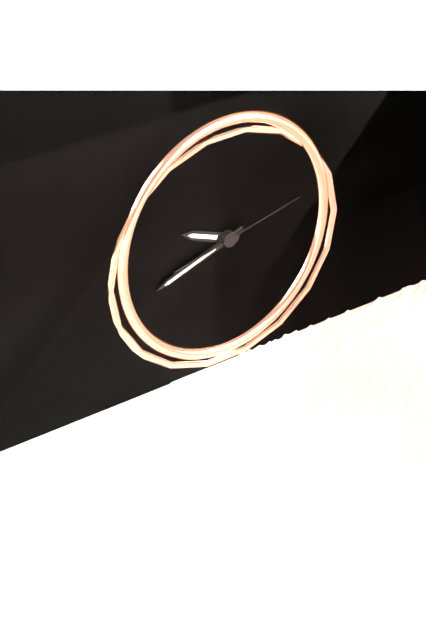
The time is h=9 m=42 s=13
